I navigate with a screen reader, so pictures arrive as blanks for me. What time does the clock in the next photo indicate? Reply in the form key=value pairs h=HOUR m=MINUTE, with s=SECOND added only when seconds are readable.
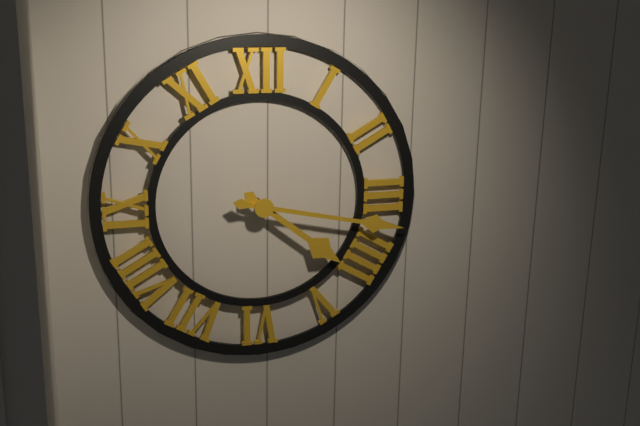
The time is h=4 m=17
